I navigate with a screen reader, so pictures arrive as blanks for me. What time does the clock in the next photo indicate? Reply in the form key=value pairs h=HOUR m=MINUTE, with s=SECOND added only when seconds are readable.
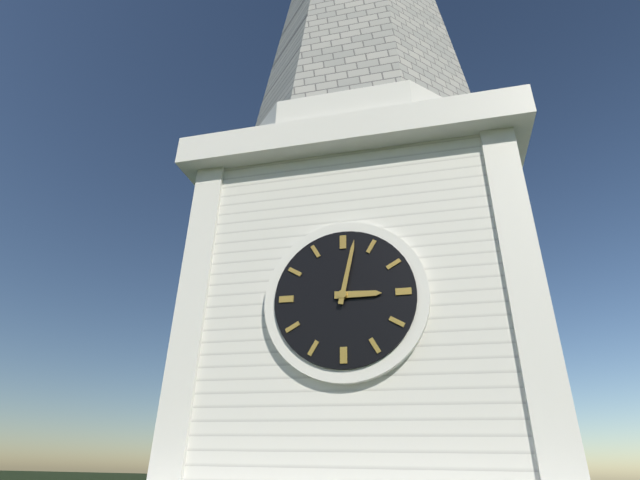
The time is h=3 m=2
